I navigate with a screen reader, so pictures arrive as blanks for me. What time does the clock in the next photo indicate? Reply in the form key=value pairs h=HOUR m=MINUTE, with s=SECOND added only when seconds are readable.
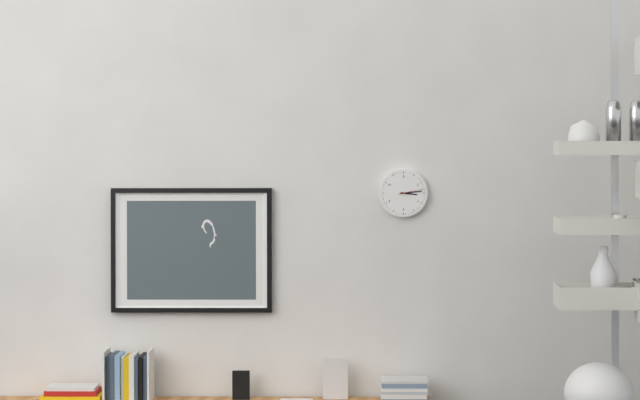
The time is h=3 m=14
